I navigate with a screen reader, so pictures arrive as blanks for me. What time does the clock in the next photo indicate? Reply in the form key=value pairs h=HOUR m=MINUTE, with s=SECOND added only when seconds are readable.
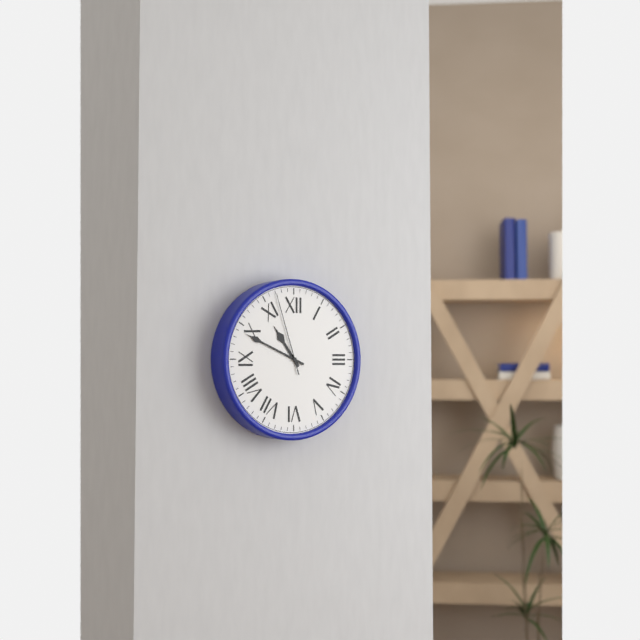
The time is h=10 m=49 s=57
